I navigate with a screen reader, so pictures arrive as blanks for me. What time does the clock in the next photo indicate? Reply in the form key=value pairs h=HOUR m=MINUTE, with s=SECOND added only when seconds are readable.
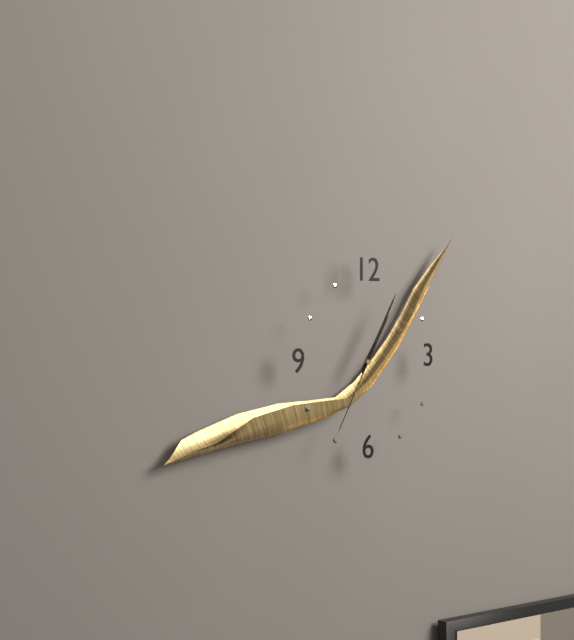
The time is h=1 m=5 s=35
